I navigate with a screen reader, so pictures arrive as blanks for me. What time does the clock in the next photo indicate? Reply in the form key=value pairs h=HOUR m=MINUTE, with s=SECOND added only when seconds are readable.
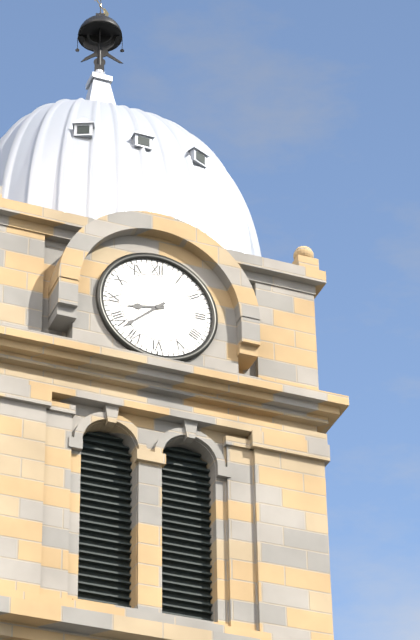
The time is h=8 m=38
